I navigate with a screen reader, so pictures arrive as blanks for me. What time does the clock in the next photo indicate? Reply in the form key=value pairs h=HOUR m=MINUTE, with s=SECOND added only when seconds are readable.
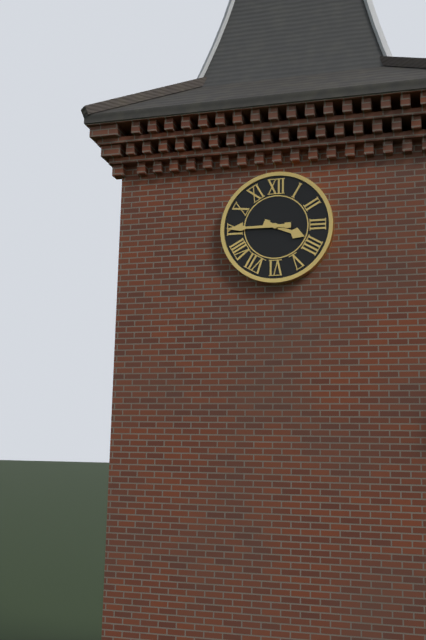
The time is h=3 m=45
